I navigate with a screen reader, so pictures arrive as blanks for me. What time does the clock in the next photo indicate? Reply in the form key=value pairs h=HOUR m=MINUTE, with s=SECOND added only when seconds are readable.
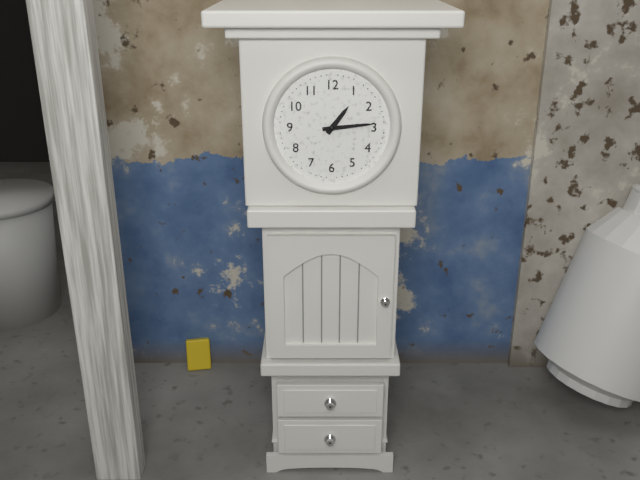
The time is h=1 m=14
